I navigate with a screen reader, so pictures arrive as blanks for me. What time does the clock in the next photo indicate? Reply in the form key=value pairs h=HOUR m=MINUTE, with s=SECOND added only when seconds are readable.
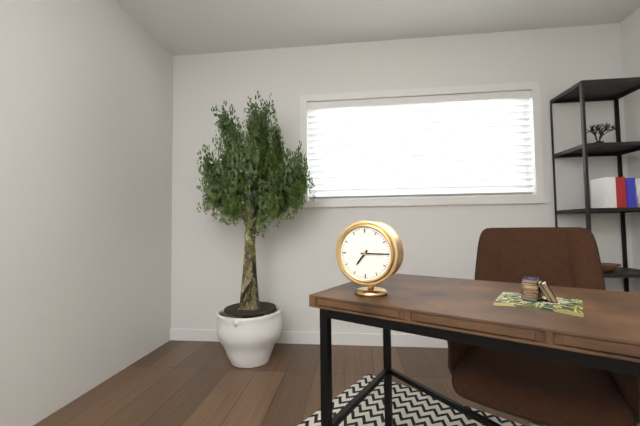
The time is h=7 m=15
